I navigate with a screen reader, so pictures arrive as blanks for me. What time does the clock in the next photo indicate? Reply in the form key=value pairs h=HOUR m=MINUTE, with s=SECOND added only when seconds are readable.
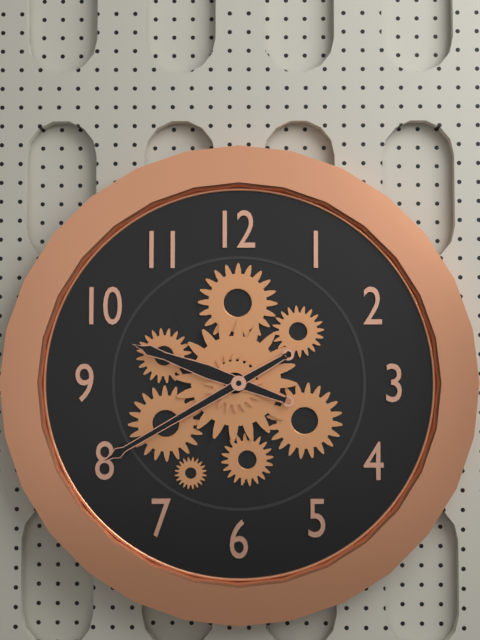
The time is h=9 m=40
